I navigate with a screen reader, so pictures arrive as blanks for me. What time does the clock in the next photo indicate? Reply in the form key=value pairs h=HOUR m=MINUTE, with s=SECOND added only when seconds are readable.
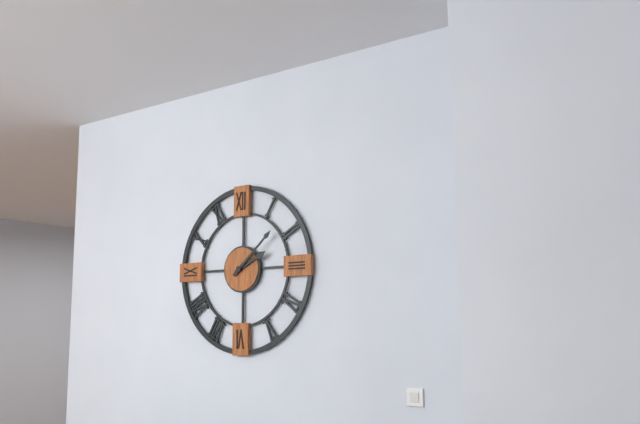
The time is h=2 m=8
